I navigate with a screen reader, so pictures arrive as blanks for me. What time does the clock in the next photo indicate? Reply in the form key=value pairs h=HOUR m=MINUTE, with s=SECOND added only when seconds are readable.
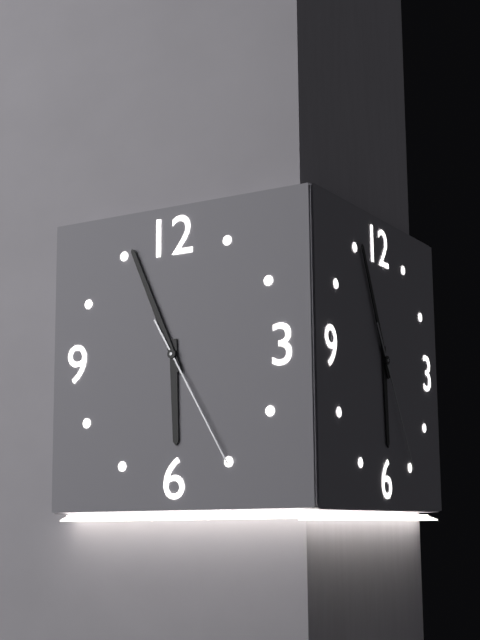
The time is h=5 m=56 s=25
